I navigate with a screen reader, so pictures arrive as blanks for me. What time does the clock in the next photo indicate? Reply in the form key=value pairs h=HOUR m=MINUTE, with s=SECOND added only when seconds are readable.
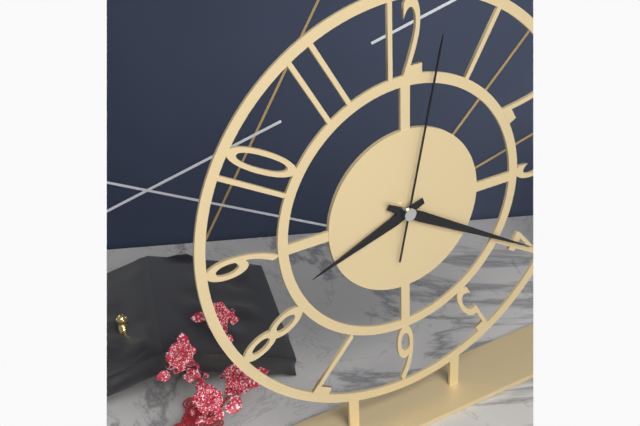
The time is h=8 m=20 s=2
